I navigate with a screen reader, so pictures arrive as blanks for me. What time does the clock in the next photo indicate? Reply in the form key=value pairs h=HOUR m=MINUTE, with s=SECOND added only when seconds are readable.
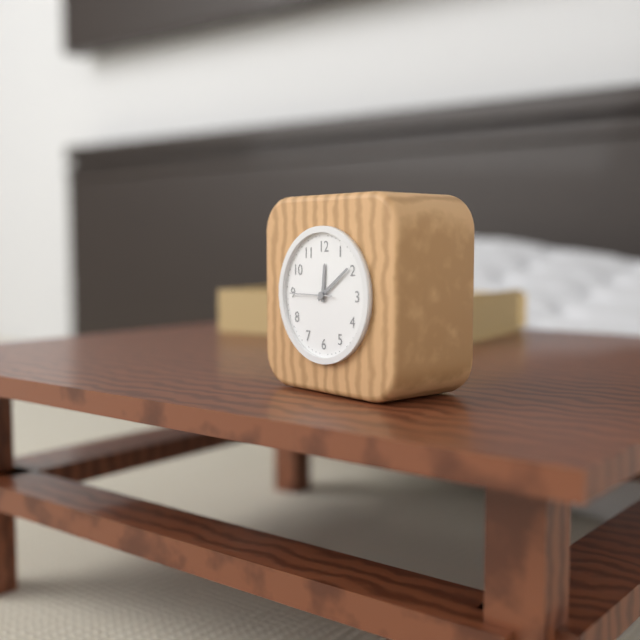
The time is h=12 m=9
